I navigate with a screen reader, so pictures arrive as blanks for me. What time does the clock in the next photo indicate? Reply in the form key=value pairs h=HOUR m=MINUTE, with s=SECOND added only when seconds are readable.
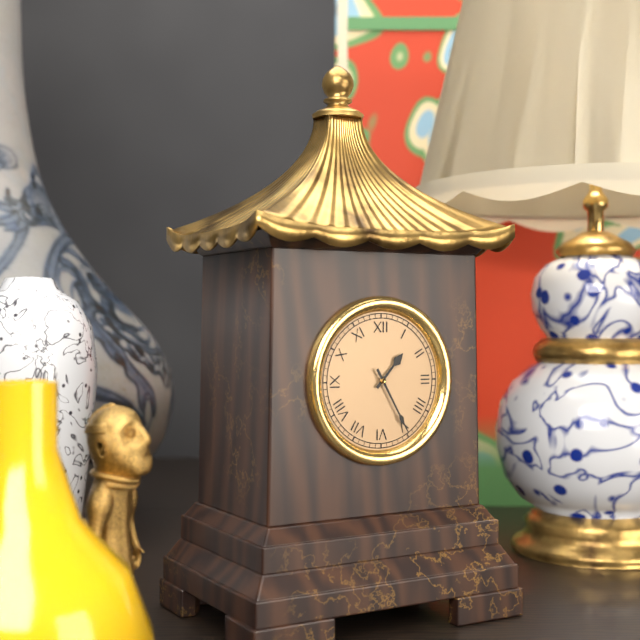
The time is h=1 m=25
